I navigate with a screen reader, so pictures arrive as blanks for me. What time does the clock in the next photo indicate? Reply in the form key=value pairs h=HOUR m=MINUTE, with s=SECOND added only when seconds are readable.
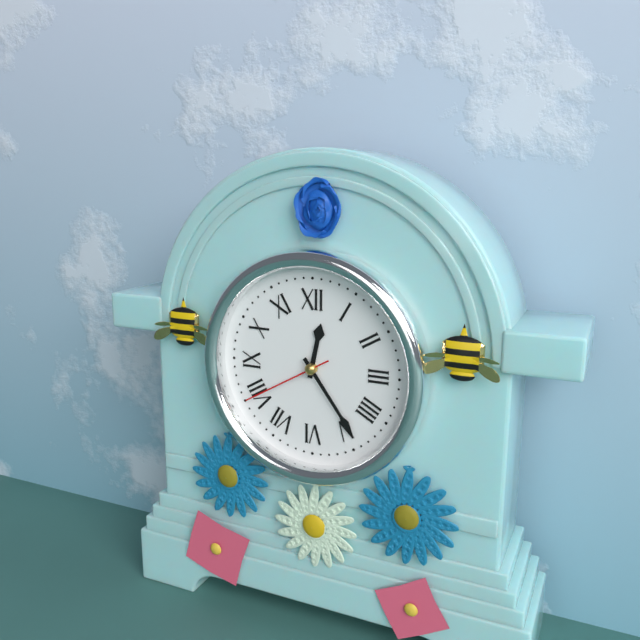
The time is h=12 m=24 s=40
